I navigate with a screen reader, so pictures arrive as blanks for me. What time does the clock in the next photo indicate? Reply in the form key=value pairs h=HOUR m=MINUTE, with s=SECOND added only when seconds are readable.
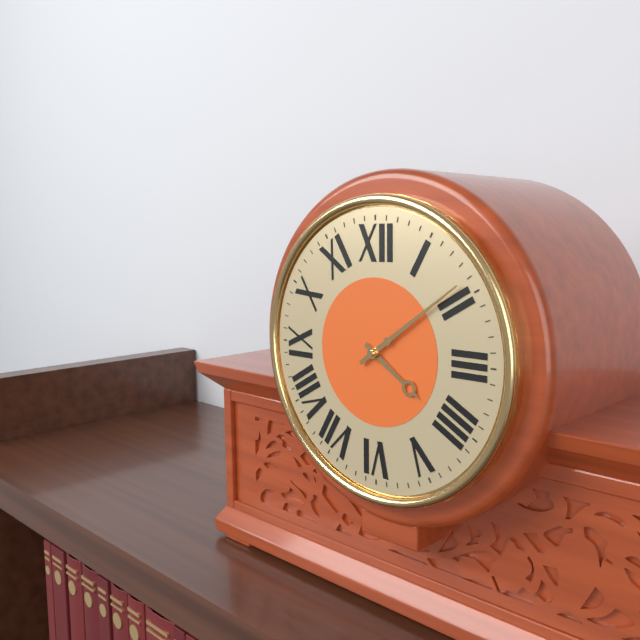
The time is h=4 m=9
